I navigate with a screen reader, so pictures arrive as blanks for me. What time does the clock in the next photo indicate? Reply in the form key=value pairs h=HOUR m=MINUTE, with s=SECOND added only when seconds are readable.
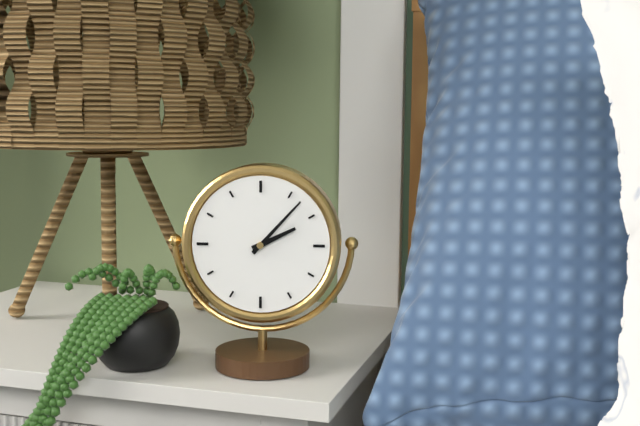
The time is h=2 m=7
